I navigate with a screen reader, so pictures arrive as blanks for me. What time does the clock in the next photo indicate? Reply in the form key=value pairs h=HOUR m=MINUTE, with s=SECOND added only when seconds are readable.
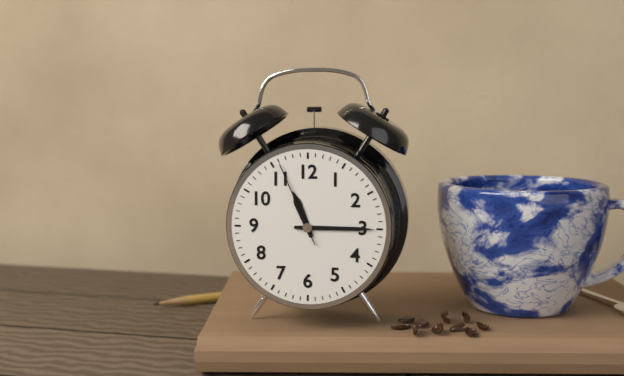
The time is h=11 m=15 s=56
